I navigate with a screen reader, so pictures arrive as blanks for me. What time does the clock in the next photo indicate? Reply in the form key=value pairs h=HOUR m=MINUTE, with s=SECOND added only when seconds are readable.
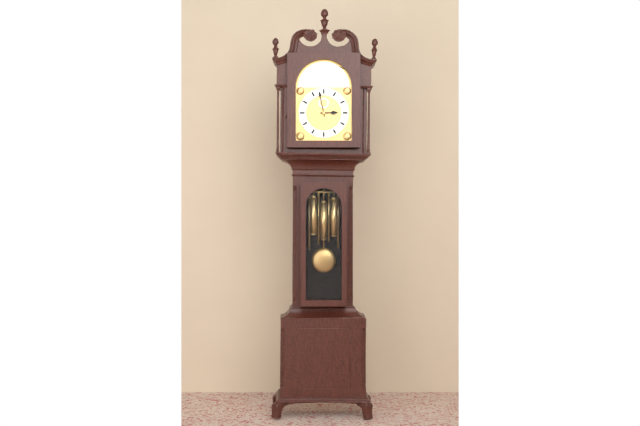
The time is h=2 m=58
